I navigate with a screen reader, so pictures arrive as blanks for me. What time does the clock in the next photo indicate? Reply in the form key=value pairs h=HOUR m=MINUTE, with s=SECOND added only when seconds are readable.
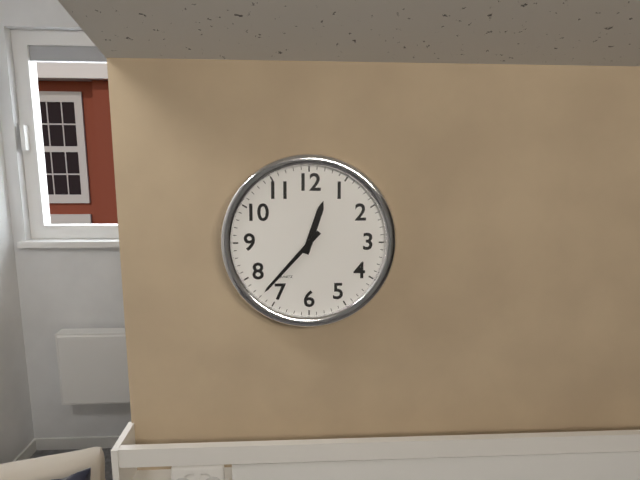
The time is h=12 m=37
